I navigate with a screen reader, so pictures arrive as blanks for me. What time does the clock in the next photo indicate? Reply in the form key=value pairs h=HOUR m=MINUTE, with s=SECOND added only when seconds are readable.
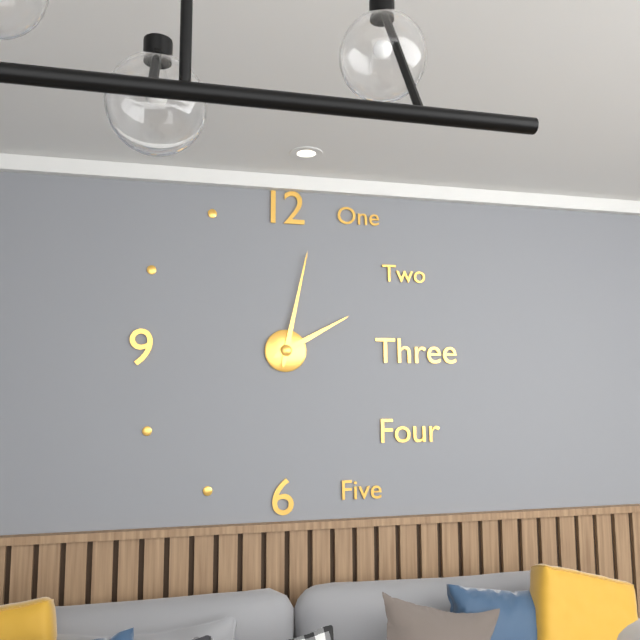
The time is h=2 m=2
